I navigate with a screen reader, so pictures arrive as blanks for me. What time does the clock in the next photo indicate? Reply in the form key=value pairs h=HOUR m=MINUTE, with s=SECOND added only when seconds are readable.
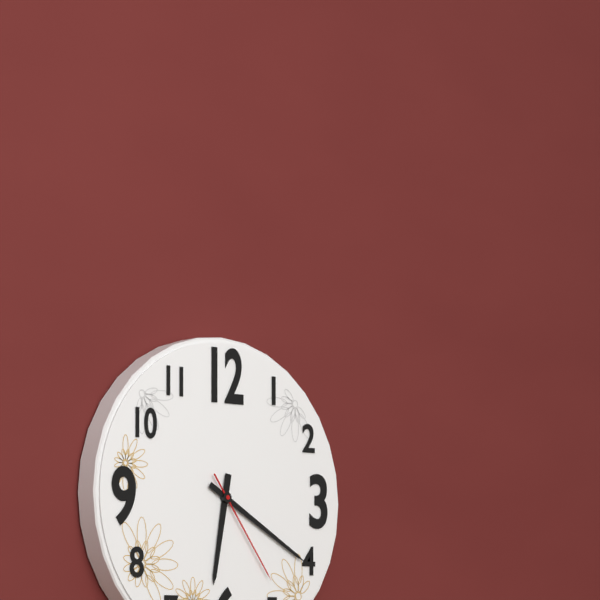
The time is h=6 m=20 s=24
